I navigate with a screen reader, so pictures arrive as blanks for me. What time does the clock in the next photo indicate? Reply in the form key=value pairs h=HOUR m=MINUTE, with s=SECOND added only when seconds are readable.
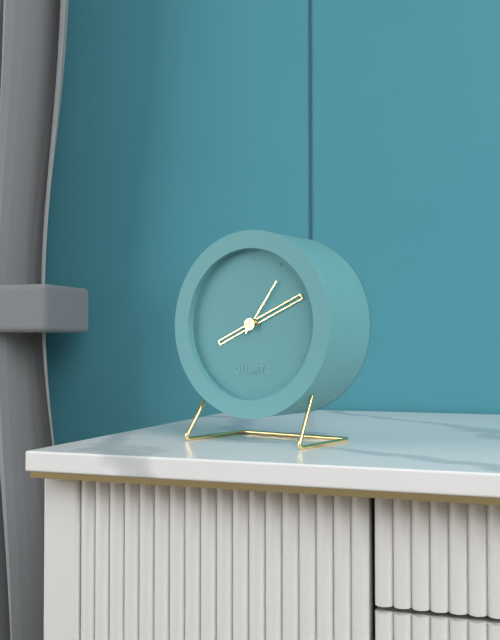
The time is h=8 m=11 s=6
